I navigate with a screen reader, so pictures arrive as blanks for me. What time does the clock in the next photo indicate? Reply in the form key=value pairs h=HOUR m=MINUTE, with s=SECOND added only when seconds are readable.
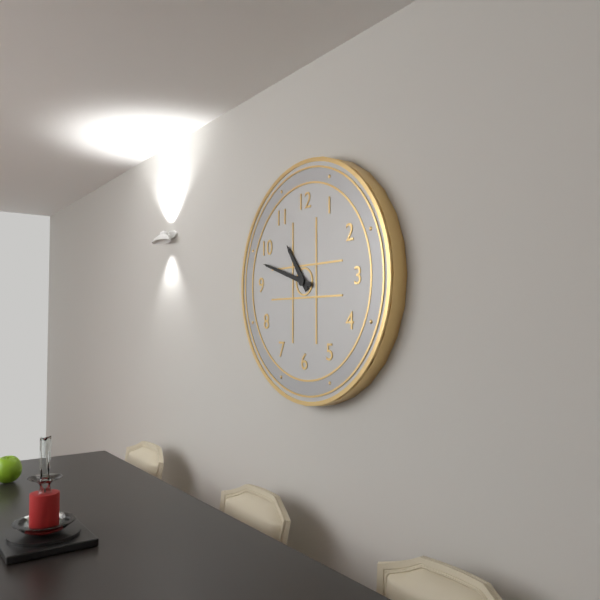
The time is h=10 m=48
